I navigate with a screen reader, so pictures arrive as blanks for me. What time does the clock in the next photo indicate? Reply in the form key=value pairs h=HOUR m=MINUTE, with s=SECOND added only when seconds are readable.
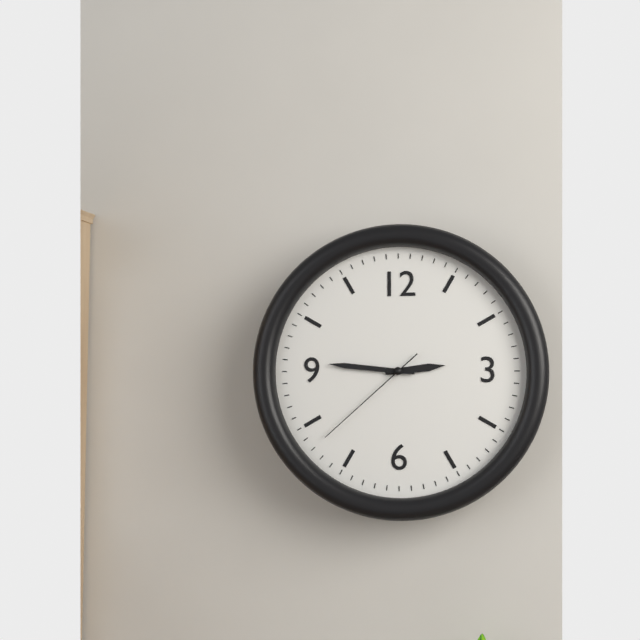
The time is h=2 m=46 s=38
